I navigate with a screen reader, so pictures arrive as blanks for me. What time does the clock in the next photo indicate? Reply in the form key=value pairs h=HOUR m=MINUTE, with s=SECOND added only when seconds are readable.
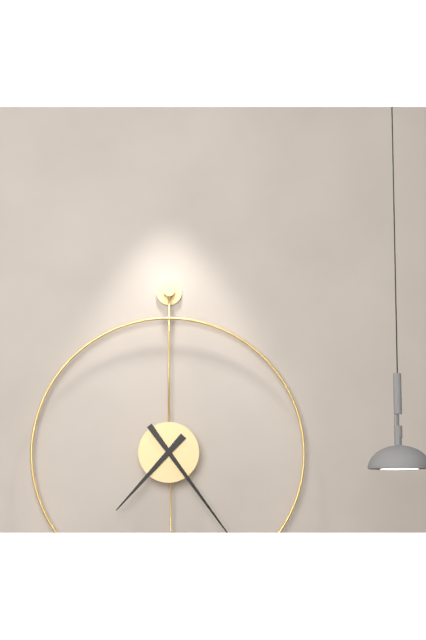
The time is h=7 m=24
